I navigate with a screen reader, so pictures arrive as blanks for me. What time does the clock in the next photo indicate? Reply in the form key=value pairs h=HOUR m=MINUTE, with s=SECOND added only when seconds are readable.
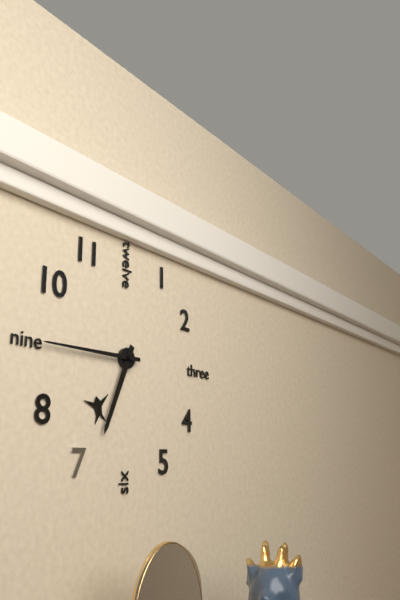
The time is h=6 m=45
